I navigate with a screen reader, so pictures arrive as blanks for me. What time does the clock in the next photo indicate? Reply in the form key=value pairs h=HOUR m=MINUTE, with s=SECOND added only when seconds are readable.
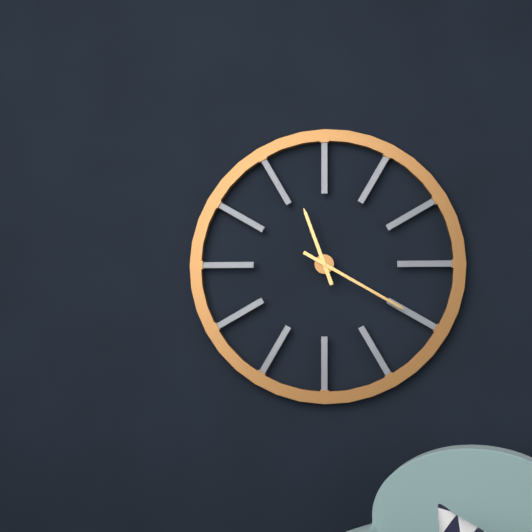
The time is h=11 m=20
